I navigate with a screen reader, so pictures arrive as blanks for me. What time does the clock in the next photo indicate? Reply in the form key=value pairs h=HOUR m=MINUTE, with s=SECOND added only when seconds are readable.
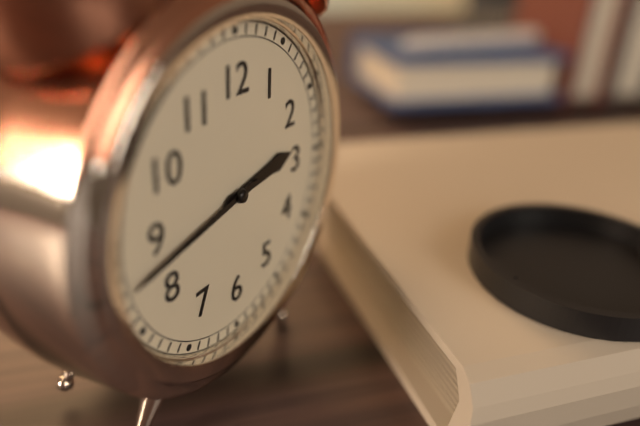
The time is h=2 m=43
